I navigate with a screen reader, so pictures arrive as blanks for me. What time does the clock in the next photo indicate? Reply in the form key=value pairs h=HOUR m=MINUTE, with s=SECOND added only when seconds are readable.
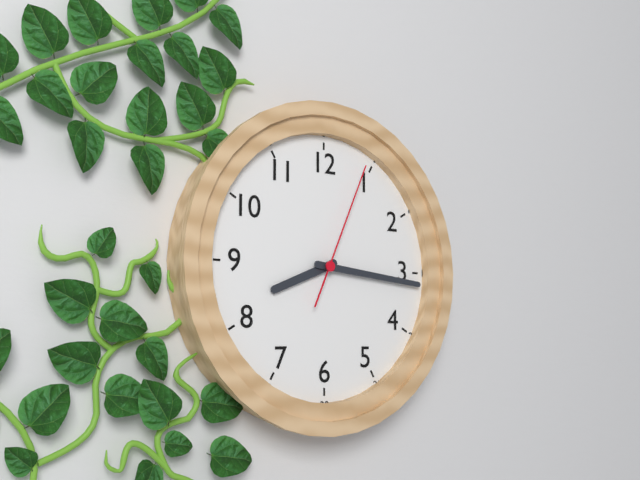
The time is h=8 m=16 s=4
